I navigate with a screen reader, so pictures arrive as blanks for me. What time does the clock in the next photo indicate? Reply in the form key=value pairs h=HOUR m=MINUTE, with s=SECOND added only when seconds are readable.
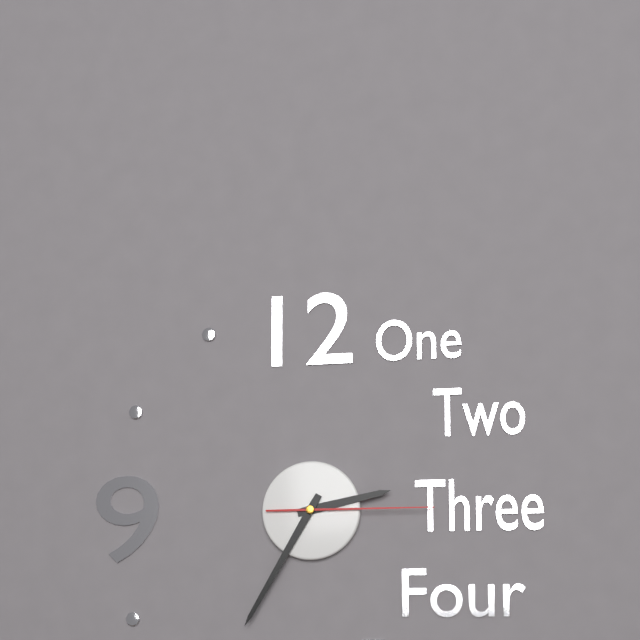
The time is h=2 m=35 s=15
